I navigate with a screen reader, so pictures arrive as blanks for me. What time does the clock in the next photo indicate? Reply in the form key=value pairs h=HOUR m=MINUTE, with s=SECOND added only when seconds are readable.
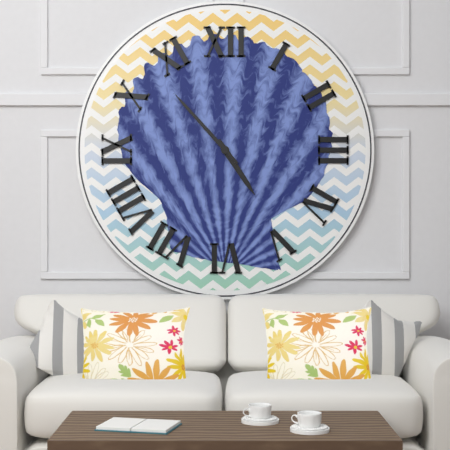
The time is h=4 m=53
